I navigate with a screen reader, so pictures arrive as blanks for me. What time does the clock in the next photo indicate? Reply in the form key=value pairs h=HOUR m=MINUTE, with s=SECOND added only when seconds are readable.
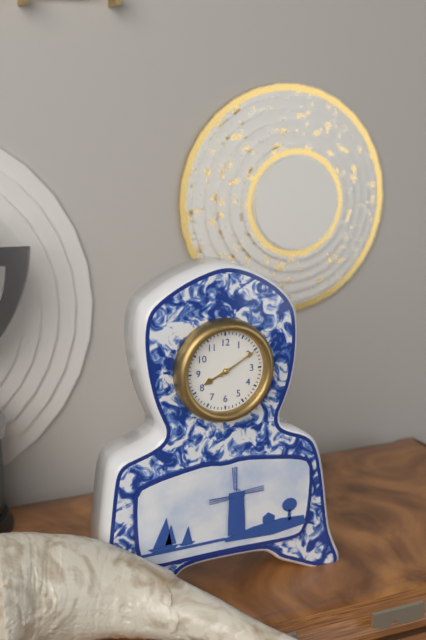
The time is h=8 m=10
